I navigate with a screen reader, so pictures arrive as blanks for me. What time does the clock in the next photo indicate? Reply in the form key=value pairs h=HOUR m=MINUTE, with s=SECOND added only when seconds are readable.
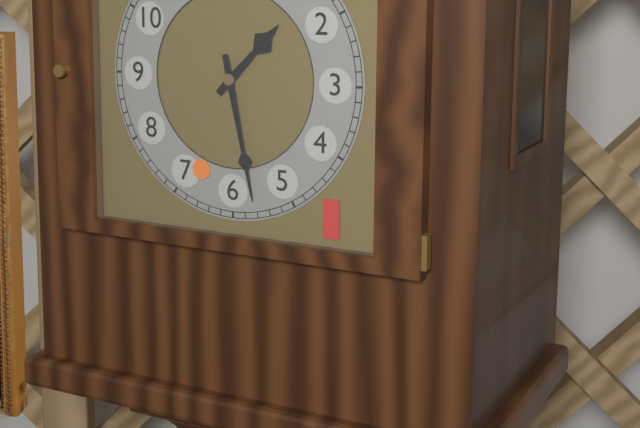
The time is h=1 m=28
